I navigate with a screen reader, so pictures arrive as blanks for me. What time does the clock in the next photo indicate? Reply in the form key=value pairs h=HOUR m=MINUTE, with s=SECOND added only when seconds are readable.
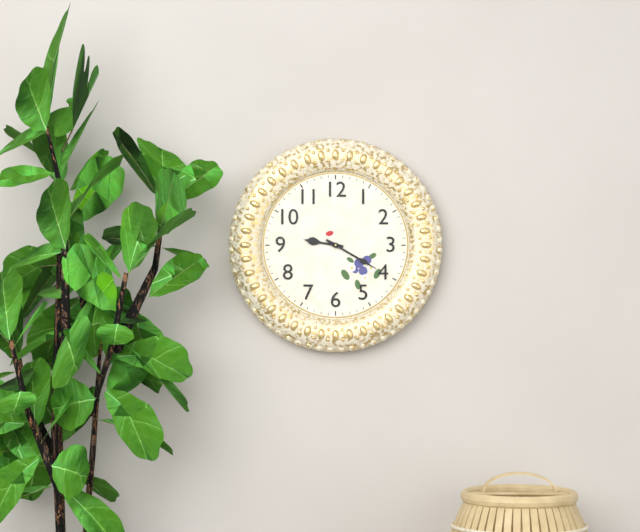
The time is h=9 m=20
